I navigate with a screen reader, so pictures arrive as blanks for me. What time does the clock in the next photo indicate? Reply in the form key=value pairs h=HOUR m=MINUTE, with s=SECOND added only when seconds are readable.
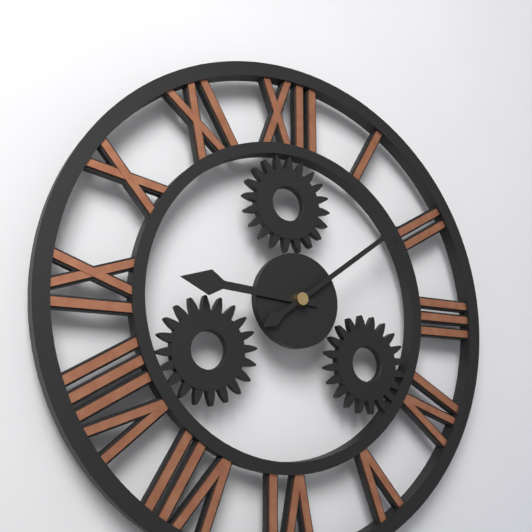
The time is h=9 m=9
